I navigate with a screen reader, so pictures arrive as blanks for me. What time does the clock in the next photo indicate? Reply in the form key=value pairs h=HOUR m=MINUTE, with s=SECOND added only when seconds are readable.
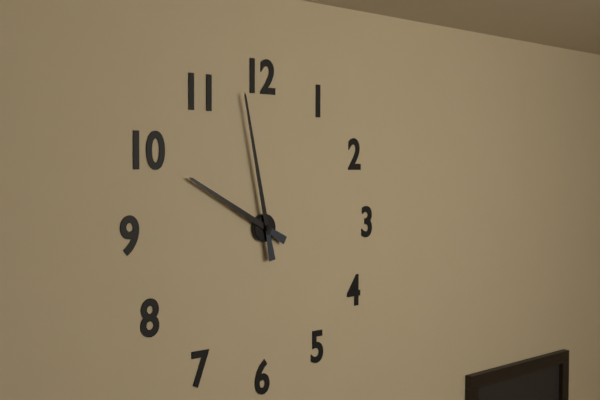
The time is h=9 m=58
